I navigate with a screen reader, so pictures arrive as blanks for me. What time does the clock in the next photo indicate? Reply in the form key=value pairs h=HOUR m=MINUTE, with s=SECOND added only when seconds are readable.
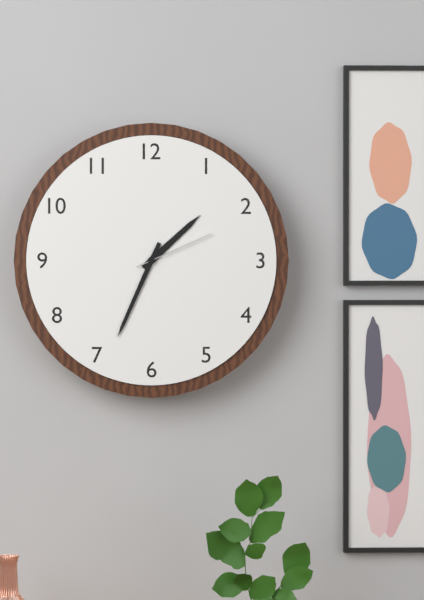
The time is h=1 m=34 s=11
